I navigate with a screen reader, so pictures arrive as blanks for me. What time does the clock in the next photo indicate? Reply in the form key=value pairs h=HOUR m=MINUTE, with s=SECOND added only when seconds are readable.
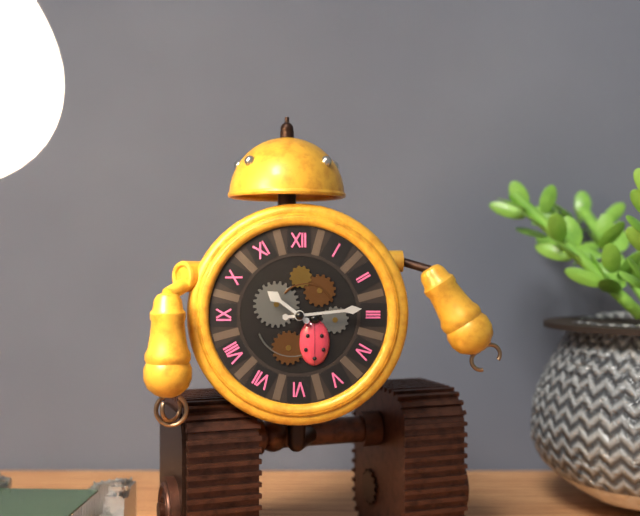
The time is h=10 m=14
